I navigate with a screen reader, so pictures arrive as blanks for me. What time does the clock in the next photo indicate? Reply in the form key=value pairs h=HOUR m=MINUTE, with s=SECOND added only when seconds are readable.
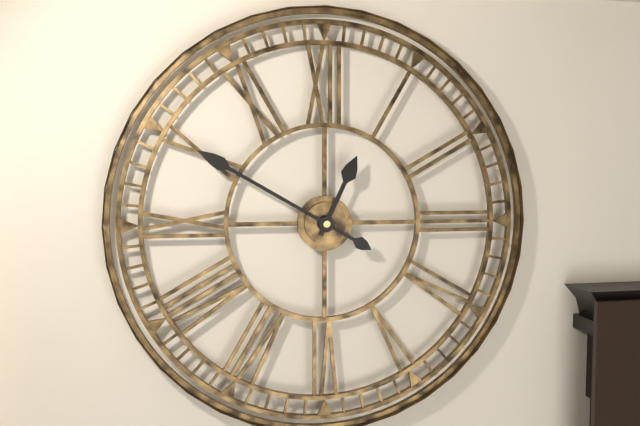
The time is h=12 m=50
